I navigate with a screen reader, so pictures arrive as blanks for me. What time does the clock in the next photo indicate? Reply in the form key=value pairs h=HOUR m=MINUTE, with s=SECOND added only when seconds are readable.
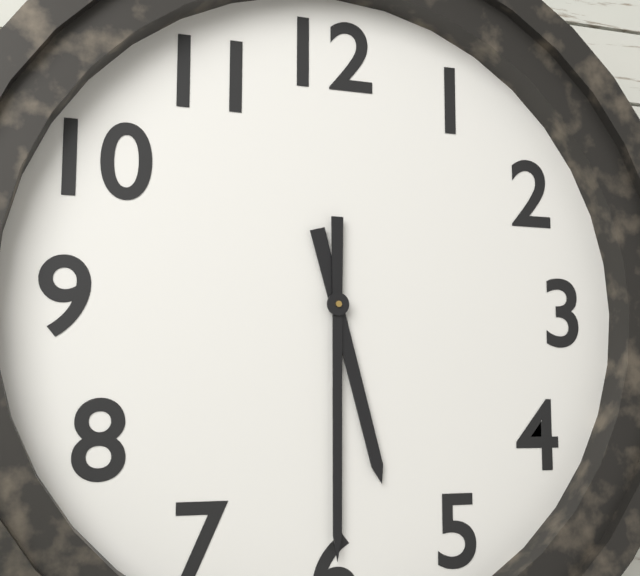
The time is h=5 m=30
